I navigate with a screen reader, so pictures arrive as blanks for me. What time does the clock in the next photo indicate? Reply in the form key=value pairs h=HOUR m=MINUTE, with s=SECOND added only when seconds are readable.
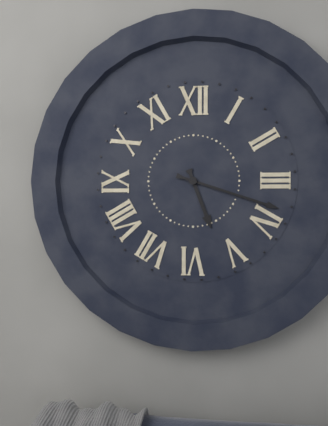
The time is h=5 m=18
